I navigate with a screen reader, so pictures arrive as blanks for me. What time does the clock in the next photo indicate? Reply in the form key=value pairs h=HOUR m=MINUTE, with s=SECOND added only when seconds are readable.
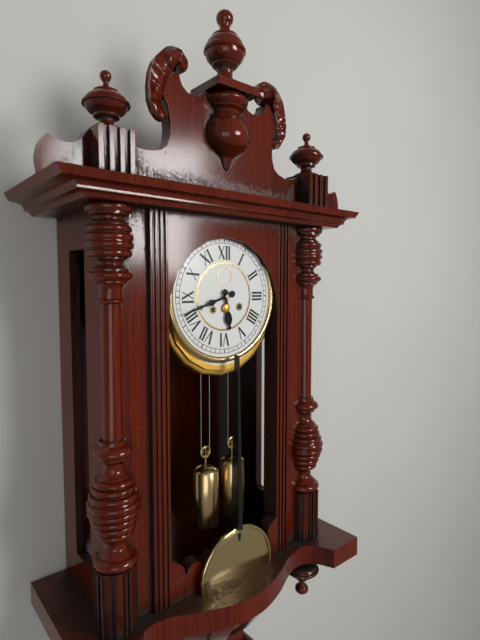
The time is h=5 m=42
